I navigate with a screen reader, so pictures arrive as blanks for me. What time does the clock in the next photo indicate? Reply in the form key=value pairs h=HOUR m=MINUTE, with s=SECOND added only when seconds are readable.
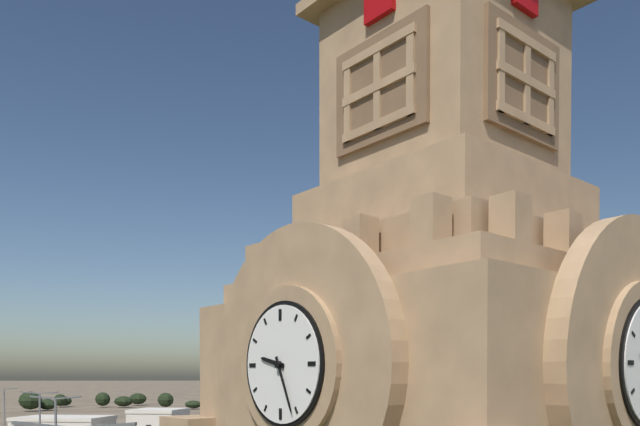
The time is h=9 m=26
